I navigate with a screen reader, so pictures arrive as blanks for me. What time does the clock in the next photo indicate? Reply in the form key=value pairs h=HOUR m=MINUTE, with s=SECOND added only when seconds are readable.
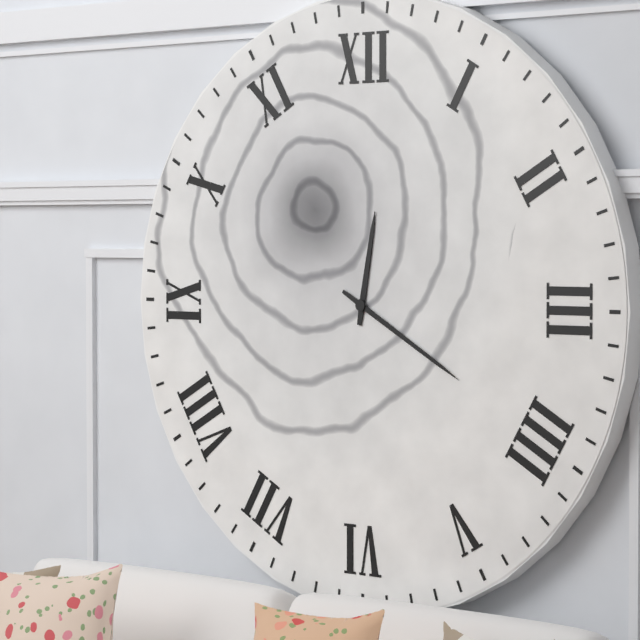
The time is h=12 m=20
